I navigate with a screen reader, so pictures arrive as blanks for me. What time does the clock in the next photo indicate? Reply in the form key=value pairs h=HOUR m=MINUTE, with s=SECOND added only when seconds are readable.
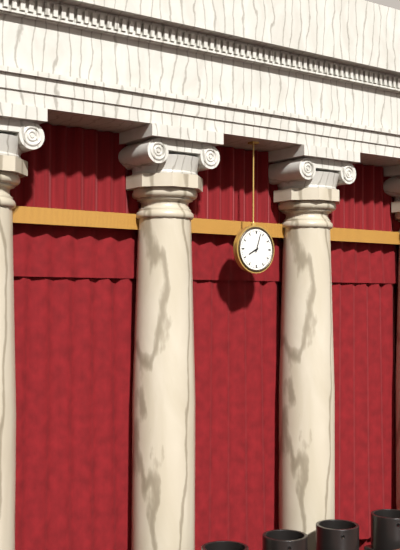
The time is h=8 m=3
